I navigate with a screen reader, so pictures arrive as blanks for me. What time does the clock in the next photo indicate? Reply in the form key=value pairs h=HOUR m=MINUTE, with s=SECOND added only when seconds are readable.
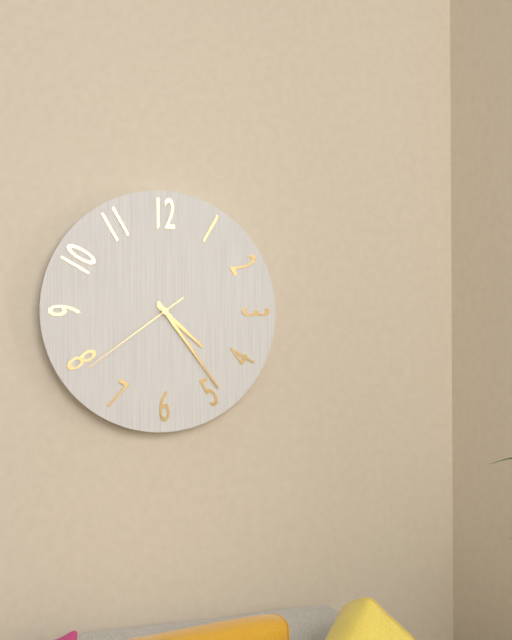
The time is h=4 m=24 s=39
